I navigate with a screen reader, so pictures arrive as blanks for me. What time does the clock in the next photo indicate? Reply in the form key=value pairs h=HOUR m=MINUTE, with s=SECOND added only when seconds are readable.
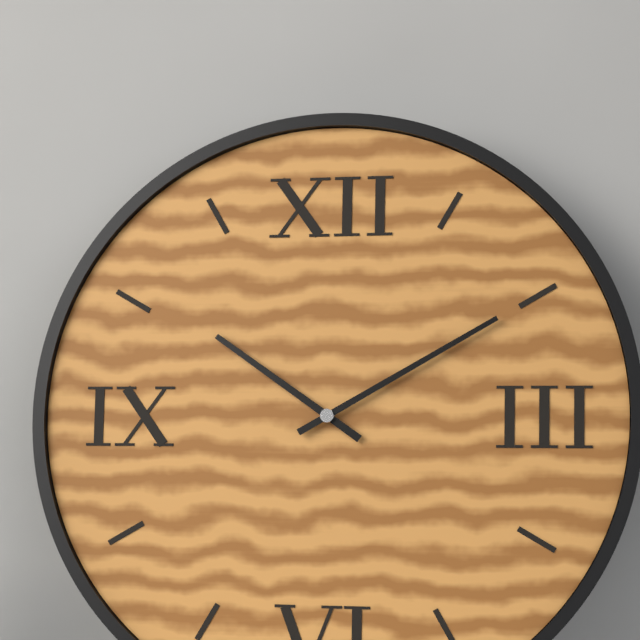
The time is h=10 m=10
